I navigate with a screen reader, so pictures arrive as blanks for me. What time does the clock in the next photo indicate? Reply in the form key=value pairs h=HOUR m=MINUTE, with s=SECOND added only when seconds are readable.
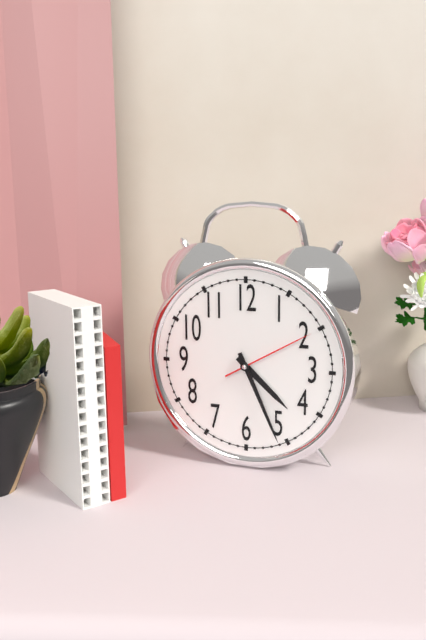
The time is h=4 m=26 s=10
